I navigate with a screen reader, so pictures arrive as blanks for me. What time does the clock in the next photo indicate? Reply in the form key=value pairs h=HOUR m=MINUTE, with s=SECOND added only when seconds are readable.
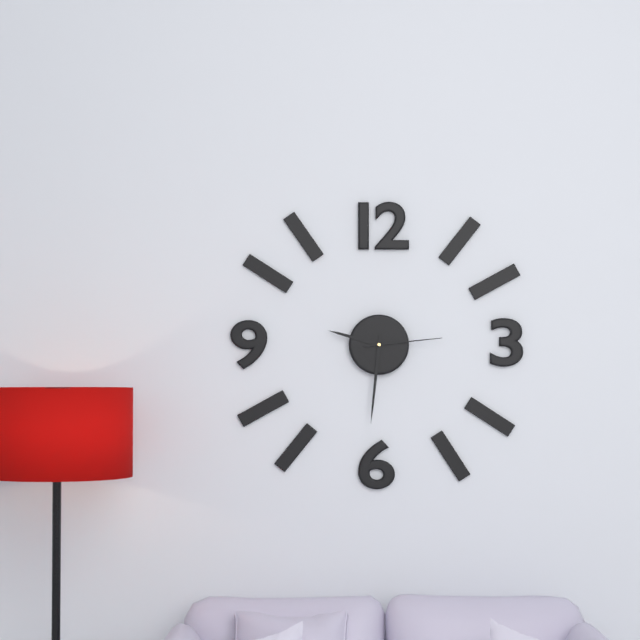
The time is h=9 m=31 s=14
